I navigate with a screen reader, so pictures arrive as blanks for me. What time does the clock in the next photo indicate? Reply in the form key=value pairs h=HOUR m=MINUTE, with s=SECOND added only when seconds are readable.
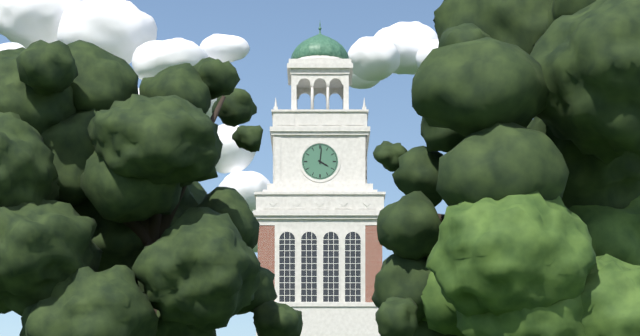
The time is h=4 m=1
